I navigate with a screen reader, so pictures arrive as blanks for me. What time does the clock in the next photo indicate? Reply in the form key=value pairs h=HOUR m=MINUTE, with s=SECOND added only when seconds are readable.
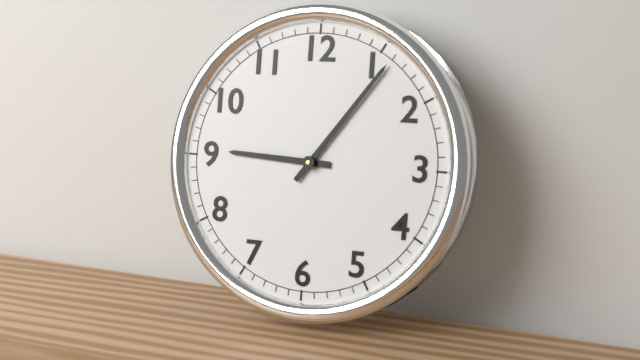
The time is h=9 m=6
